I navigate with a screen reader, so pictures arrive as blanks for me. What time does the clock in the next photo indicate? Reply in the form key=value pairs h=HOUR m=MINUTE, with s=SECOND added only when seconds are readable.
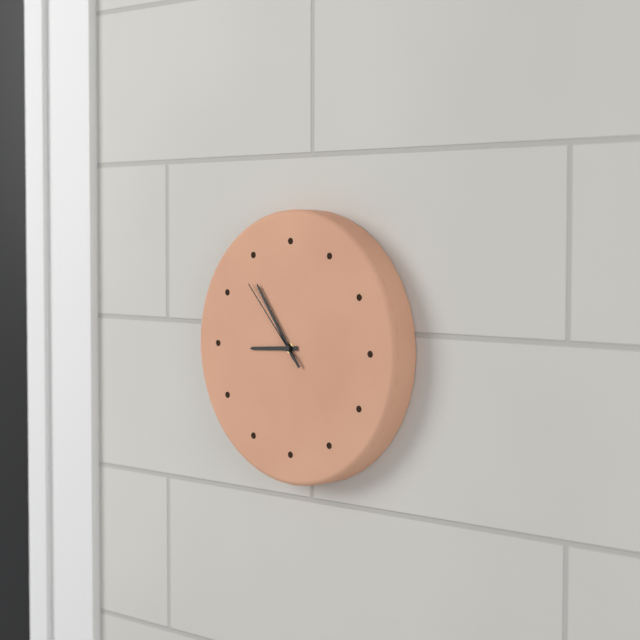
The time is h=8 m=54 s=53
